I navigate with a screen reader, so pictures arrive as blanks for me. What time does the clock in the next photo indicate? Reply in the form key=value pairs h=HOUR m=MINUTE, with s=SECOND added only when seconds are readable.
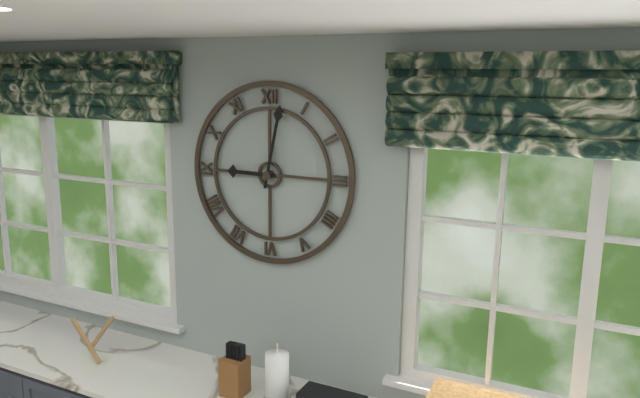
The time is h=9 m=2
